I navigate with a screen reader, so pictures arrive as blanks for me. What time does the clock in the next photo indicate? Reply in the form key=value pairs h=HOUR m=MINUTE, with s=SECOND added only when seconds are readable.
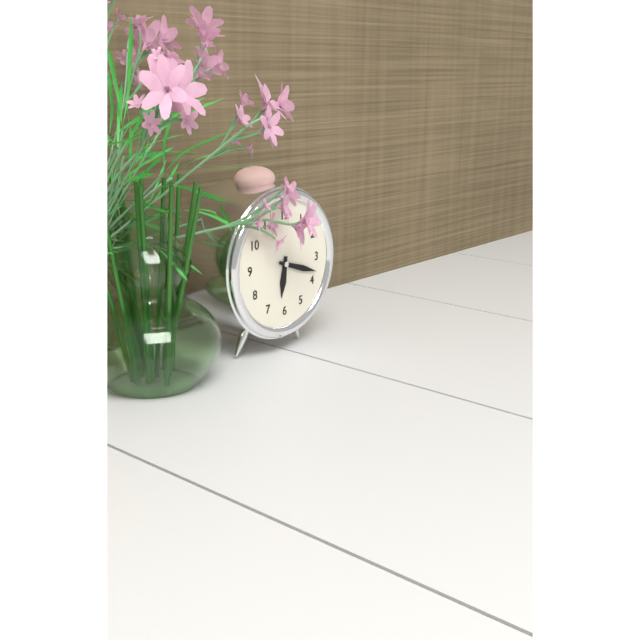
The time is h=6 m=18
